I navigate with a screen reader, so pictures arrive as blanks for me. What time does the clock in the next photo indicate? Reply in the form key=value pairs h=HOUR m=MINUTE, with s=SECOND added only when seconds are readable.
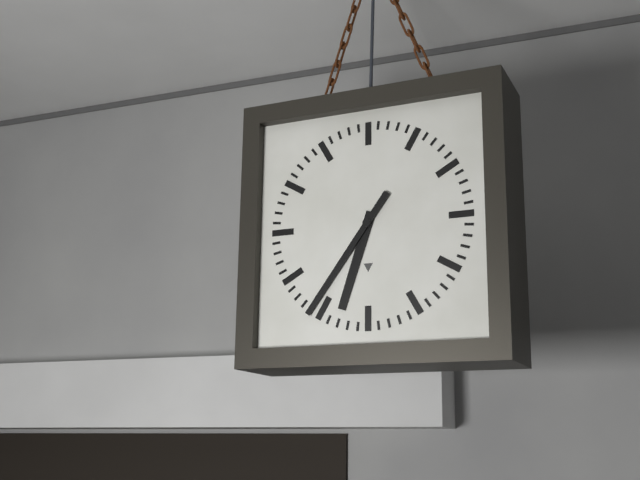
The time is h=6 m=36
